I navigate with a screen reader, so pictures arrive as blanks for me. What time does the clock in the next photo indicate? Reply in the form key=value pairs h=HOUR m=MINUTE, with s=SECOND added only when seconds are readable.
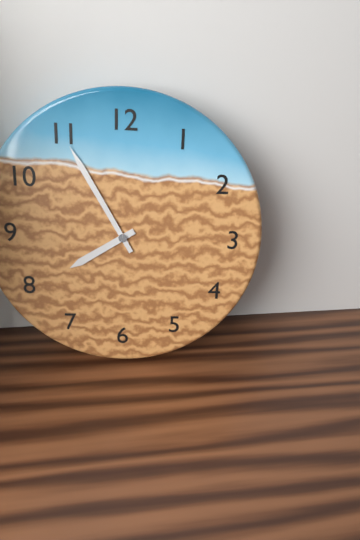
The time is h=7 m=55
